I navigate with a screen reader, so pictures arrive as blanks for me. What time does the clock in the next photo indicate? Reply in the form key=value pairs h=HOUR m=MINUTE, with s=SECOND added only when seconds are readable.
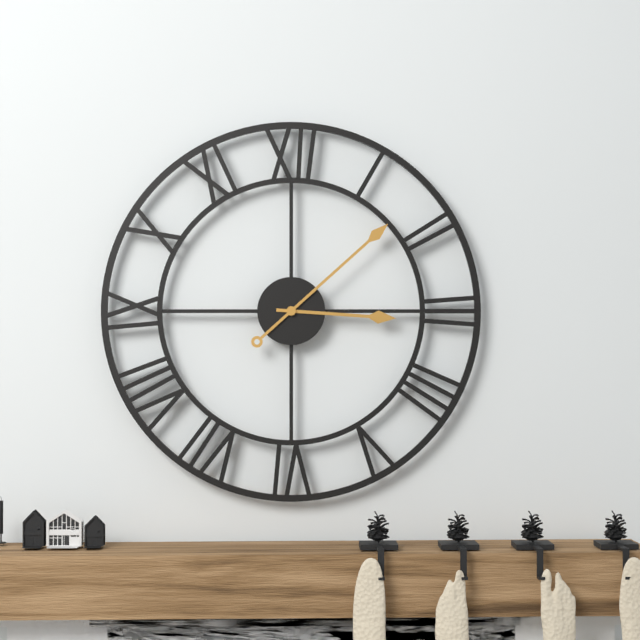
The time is h=3 m=8
